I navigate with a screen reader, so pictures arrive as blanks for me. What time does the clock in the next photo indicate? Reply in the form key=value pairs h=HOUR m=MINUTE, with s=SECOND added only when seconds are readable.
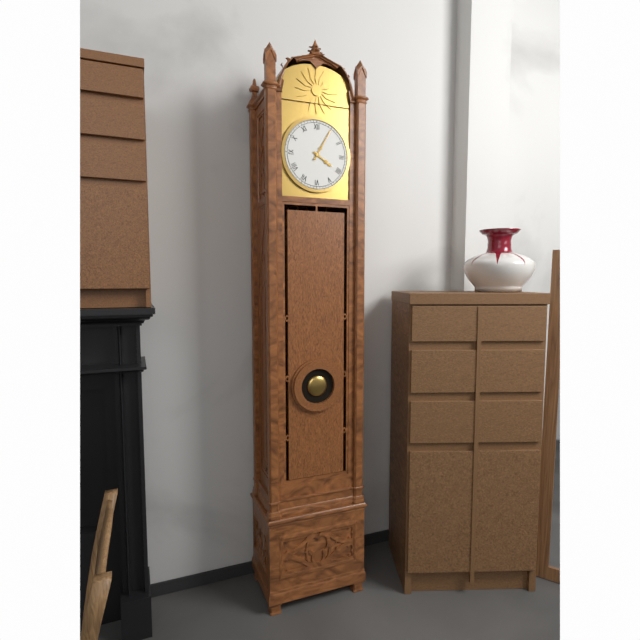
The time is h=4 m=5
